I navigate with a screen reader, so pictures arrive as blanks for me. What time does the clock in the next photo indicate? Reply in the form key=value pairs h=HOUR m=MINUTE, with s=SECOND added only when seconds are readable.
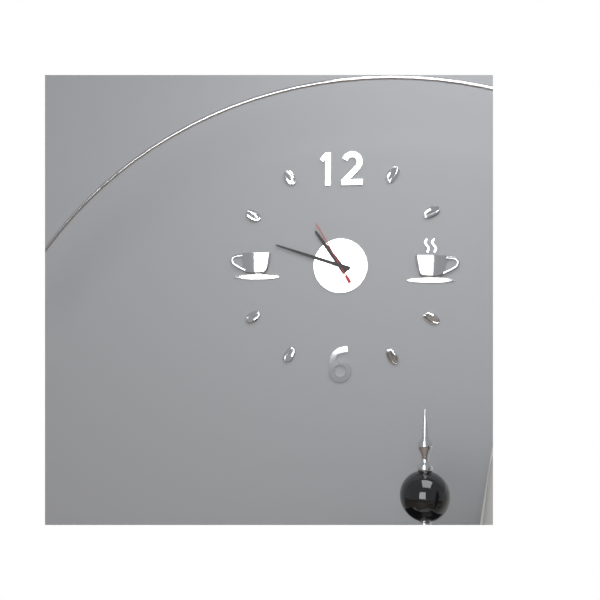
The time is h=10 m=48 s=55
